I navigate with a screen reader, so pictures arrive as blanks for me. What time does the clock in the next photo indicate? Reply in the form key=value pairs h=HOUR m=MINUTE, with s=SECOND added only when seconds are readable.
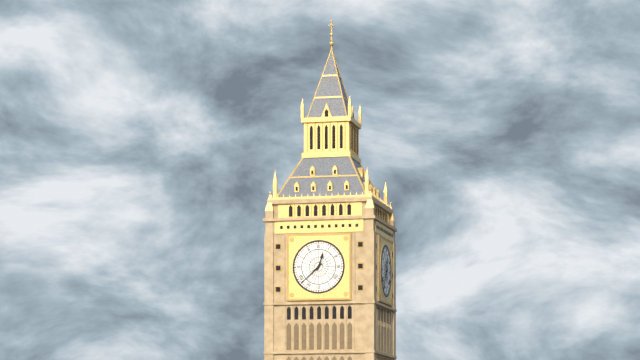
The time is h=12 m=38
